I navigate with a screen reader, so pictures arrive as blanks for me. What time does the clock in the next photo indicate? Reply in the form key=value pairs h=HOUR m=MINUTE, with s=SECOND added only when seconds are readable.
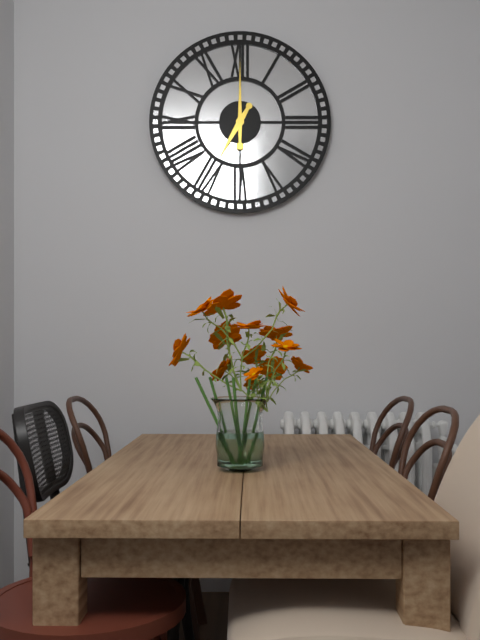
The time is h=7 m=0
